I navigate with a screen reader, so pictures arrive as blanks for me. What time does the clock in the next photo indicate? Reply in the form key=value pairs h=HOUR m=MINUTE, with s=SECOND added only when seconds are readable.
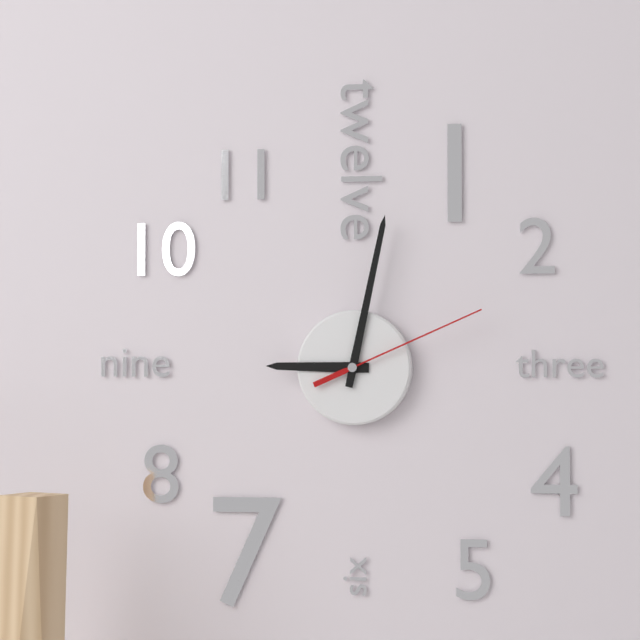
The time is h=9 m=2 s=11
